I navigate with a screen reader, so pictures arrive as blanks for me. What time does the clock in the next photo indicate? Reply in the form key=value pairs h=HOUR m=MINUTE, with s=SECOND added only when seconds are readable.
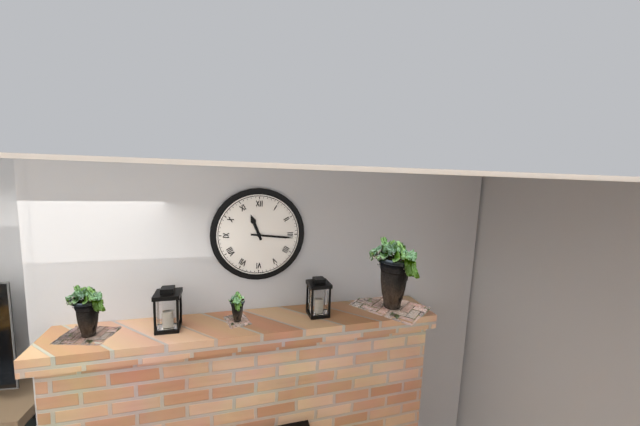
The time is h=11 m=16
